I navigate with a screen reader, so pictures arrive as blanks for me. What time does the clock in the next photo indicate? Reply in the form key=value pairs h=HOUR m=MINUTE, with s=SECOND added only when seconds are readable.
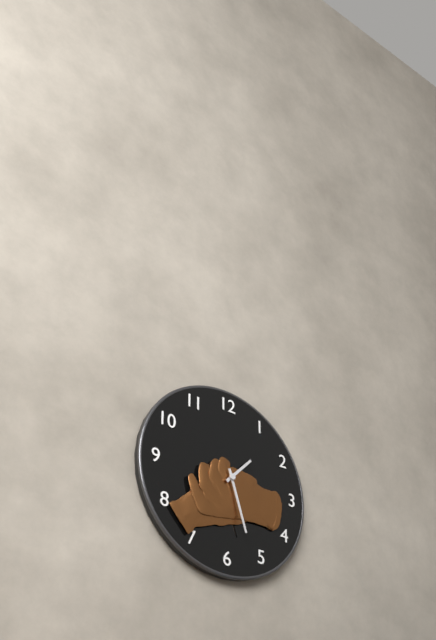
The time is h=1 m=27
